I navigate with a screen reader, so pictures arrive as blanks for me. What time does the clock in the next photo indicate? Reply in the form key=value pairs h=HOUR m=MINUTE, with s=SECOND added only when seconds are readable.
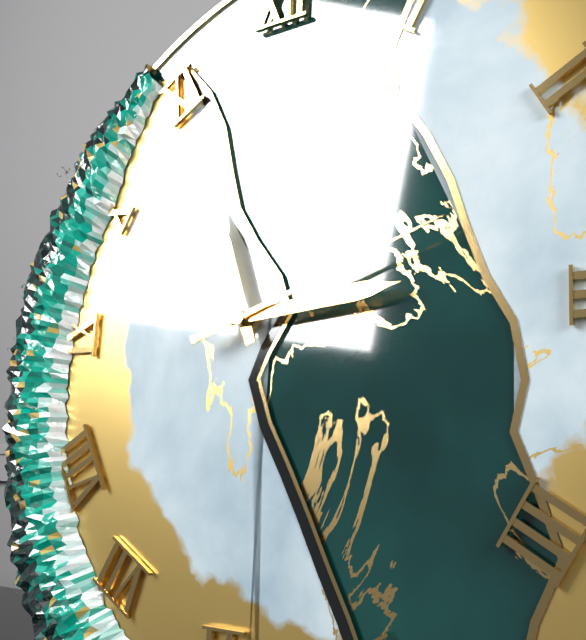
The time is h=11 m=14 s=12
